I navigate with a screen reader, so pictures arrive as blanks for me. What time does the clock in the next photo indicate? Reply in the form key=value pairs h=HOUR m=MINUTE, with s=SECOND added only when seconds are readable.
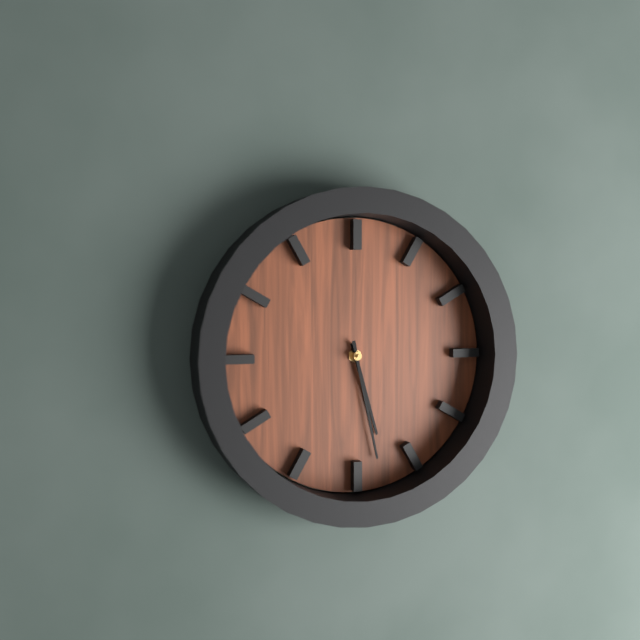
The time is h=5 m=28
